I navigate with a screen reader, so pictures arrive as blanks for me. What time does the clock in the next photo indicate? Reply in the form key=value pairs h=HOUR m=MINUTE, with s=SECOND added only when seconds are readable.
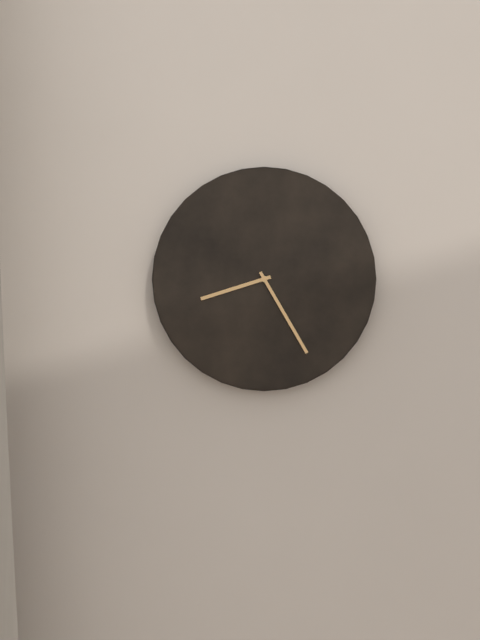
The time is h=8 m=25
